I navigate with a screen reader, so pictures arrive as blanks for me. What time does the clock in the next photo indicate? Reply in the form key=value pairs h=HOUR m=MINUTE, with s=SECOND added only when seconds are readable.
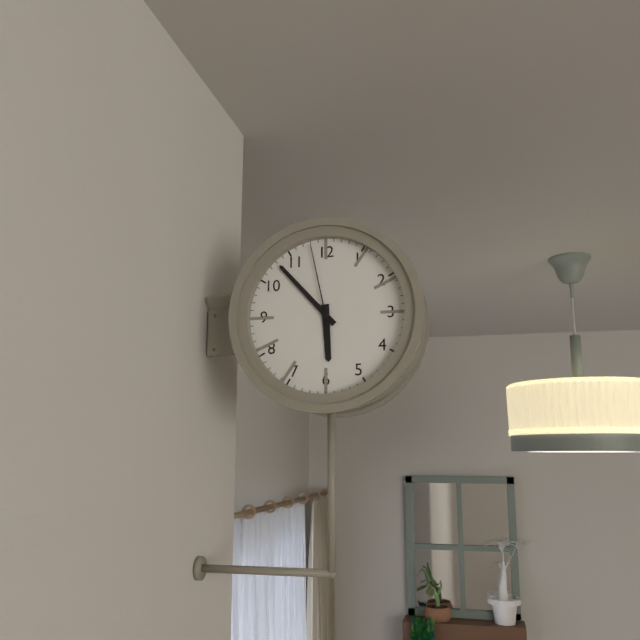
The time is h=5 m=53 s=58
